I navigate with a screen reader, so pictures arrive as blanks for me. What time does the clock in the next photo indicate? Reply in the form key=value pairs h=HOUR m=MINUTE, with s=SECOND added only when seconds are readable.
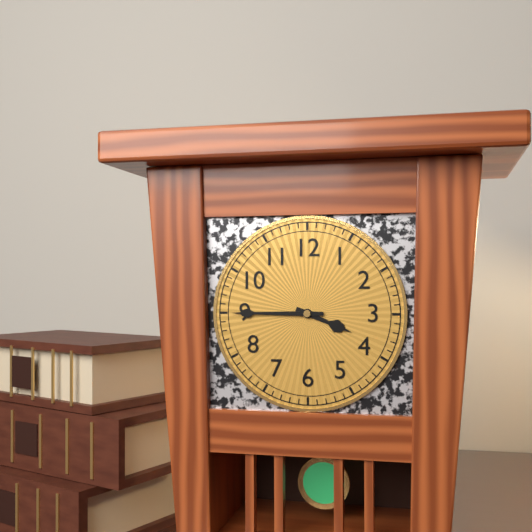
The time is h=3 m=45
